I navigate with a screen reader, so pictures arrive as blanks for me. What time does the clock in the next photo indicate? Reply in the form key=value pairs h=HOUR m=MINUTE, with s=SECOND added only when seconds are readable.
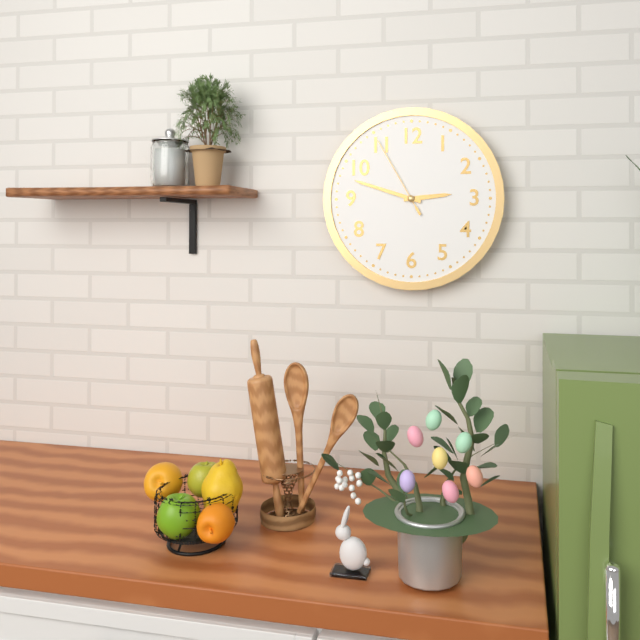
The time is h=2 m=48 s=55
